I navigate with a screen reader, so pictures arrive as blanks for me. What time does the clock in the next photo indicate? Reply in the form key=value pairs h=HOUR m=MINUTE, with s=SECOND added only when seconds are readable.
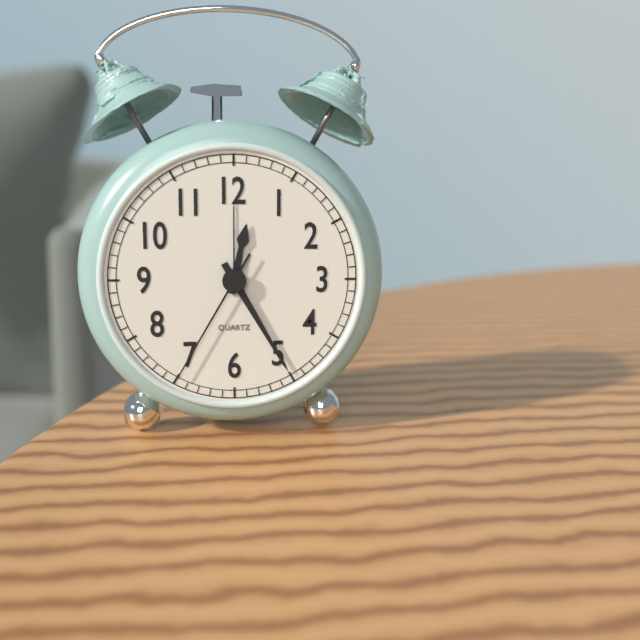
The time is h=12 m=25 s=35
